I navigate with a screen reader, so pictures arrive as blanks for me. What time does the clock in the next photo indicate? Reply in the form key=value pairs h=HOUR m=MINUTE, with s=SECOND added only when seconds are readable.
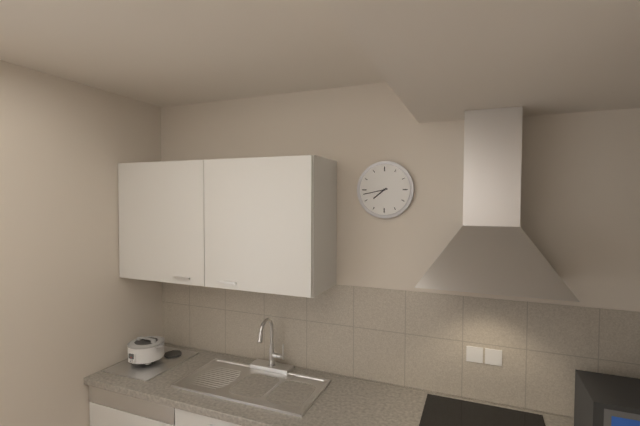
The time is h=7 m=43
